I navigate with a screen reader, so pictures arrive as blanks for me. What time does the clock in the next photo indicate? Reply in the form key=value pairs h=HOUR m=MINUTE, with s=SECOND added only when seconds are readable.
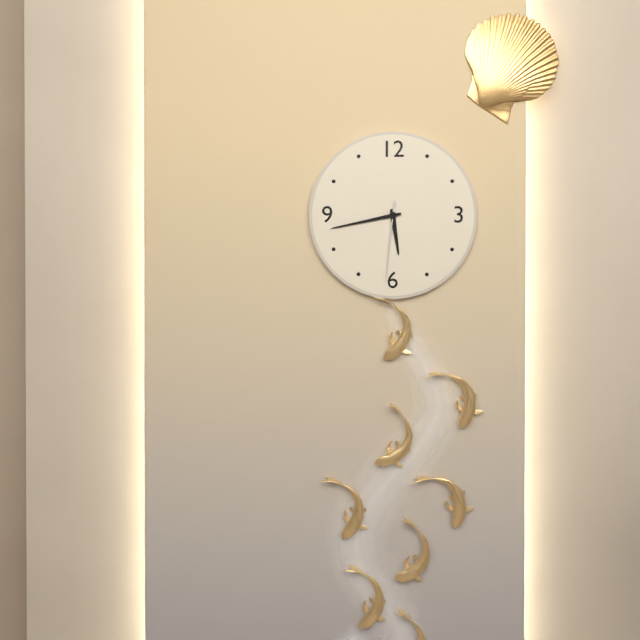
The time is h=5 m=43 s=31
